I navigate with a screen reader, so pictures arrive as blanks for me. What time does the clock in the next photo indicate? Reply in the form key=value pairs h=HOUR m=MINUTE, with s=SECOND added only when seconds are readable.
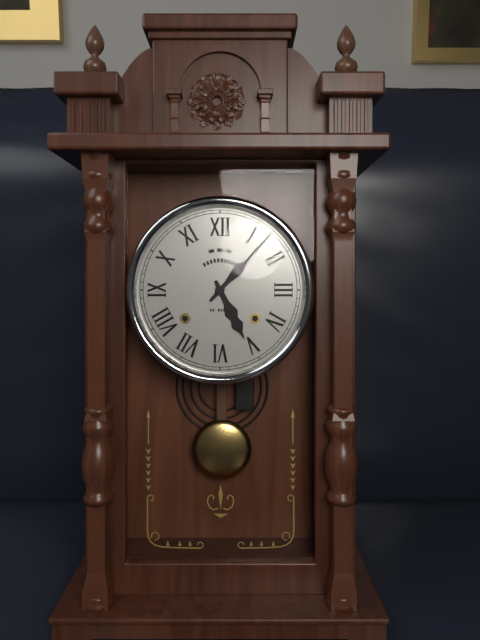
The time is h=5 m=7
